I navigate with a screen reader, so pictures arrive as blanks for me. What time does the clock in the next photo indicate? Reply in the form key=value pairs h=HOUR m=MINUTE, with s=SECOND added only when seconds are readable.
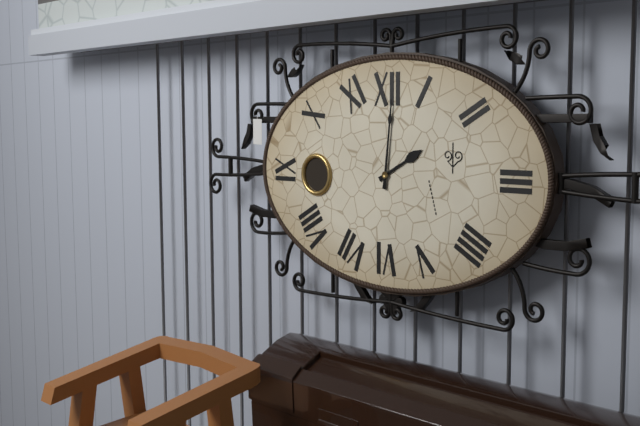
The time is h=2 m=1
